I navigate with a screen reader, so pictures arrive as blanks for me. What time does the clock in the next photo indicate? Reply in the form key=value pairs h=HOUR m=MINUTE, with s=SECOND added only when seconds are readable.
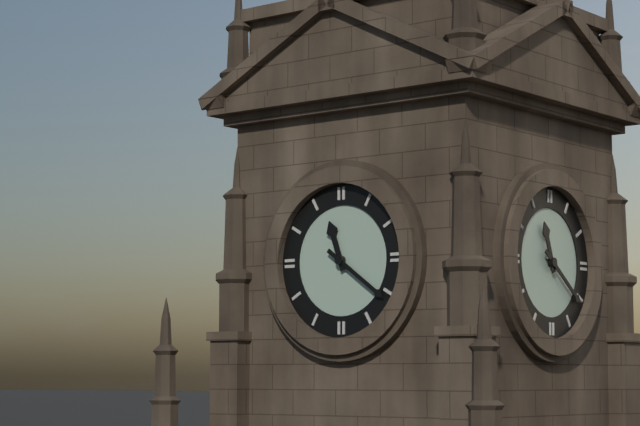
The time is h=11 m=21
